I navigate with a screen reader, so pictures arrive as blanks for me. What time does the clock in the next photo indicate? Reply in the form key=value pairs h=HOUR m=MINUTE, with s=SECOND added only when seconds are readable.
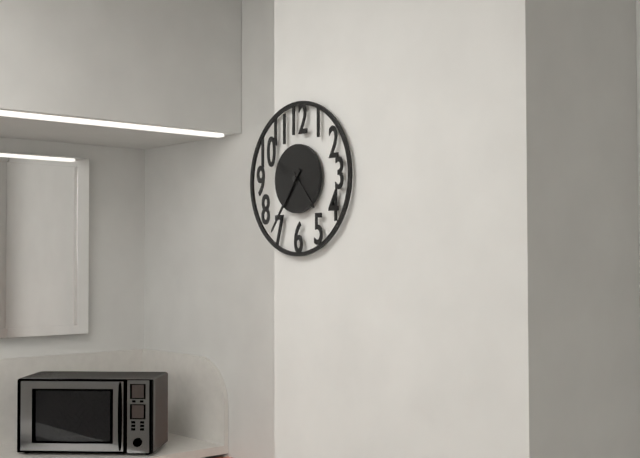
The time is h=4 m=36
